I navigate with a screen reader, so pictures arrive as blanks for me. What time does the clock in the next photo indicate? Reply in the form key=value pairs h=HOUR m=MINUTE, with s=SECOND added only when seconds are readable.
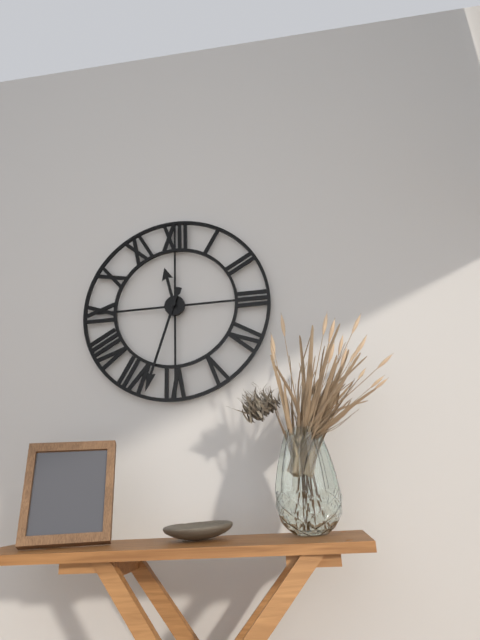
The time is h=11 m=33
